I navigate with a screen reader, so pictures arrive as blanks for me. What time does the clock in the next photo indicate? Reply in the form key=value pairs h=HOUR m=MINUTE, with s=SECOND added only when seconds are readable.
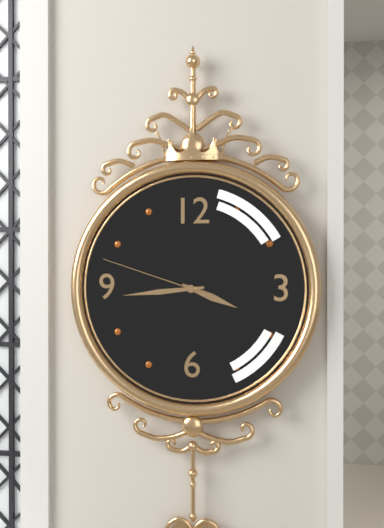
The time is h=3 m=44 s=48
